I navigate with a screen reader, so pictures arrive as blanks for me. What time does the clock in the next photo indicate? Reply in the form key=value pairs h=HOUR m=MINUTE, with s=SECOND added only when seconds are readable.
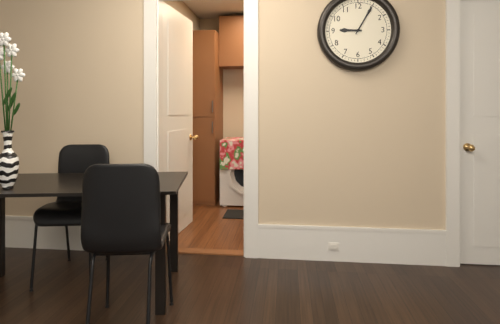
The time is h=9 m=5
